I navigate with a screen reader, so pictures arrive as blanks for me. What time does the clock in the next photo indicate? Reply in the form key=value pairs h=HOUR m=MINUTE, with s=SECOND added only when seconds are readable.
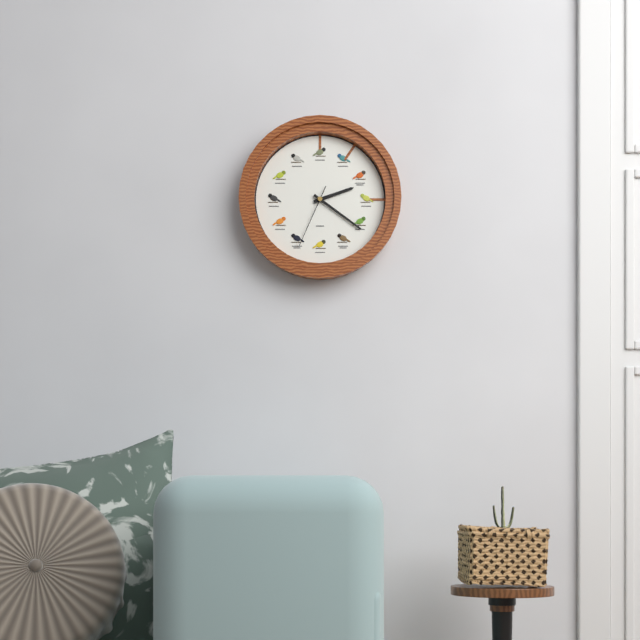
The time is h=2 m=21 s=34
